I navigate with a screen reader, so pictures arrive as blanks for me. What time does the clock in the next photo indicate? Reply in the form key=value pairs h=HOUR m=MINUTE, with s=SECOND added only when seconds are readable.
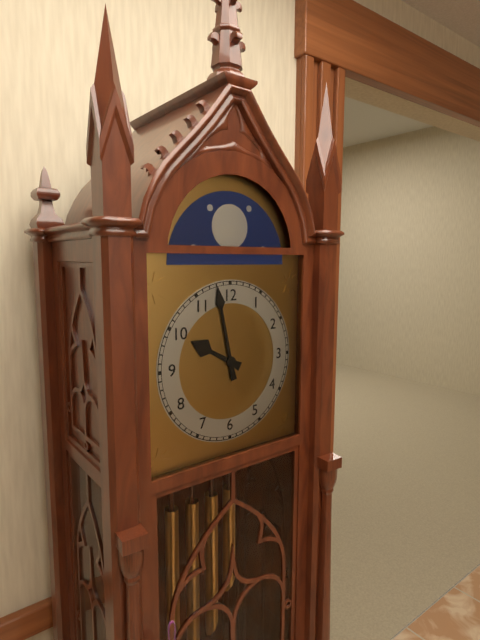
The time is h=9 m=58
